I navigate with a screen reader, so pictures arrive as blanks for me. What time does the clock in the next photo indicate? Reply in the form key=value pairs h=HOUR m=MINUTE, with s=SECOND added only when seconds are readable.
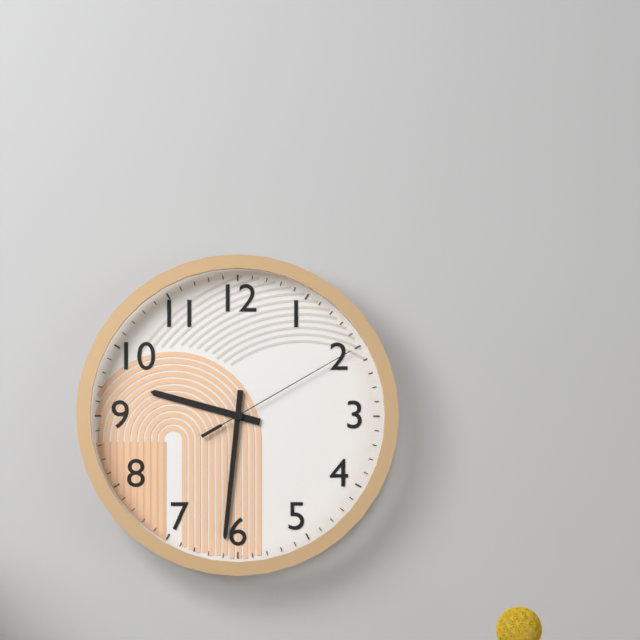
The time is h=9 m=31 s=10
